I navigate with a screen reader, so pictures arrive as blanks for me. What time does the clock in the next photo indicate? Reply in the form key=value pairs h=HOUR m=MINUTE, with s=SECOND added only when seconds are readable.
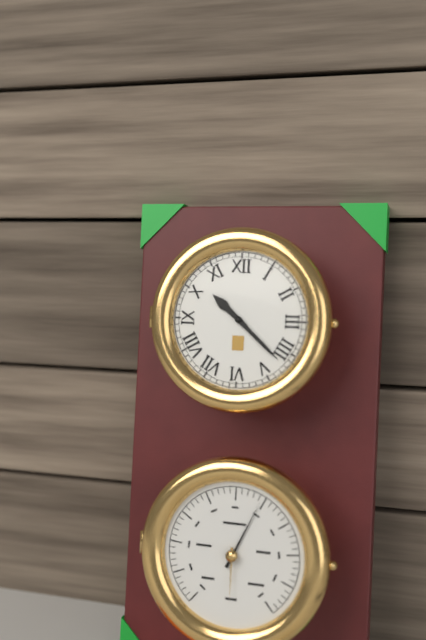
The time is h=10 m=22
